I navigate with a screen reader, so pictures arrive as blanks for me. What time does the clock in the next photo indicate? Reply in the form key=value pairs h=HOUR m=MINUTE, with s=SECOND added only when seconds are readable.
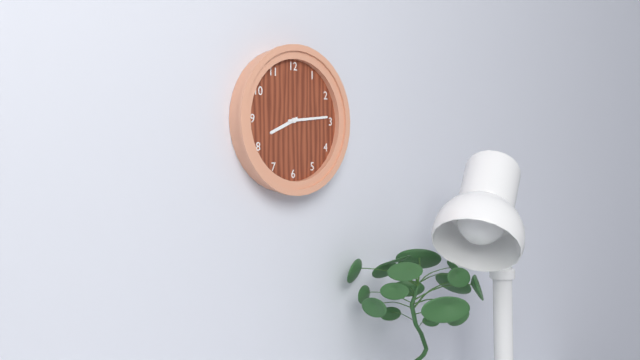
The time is h=8 m=14
